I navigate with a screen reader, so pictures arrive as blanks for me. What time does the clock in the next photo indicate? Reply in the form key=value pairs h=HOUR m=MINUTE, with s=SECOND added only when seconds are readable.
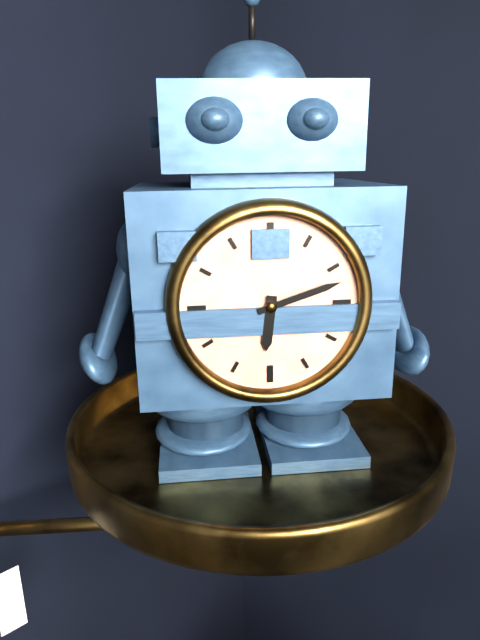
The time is h=6 m=12
